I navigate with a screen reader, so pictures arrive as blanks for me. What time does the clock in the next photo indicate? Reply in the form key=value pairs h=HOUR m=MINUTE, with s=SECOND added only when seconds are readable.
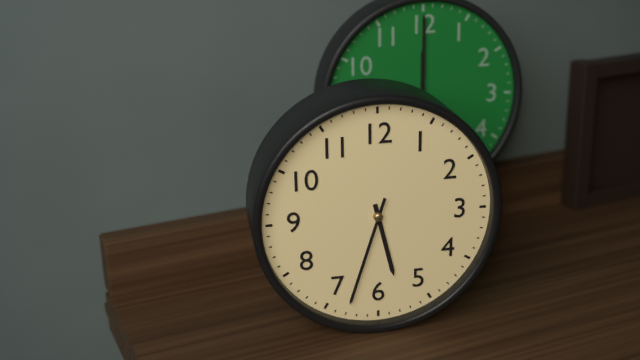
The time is h=5 m=33
